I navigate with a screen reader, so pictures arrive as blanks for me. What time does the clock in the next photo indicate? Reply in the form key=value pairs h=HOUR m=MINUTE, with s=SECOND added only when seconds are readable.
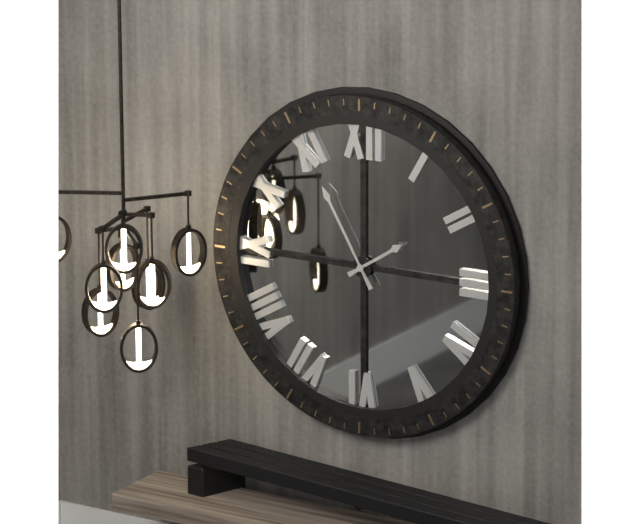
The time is h=1 m=55
